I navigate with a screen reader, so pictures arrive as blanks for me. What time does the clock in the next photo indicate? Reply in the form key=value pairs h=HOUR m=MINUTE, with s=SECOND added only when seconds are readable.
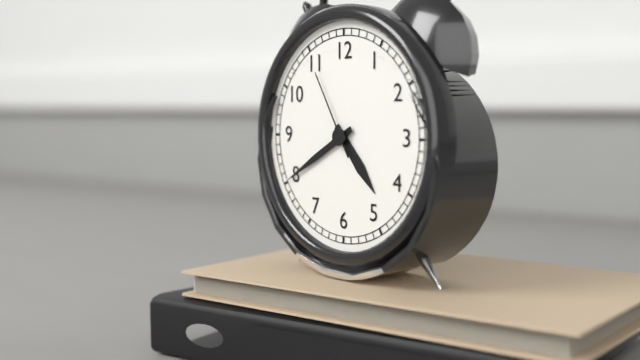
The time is h=4 m=40 s=55
